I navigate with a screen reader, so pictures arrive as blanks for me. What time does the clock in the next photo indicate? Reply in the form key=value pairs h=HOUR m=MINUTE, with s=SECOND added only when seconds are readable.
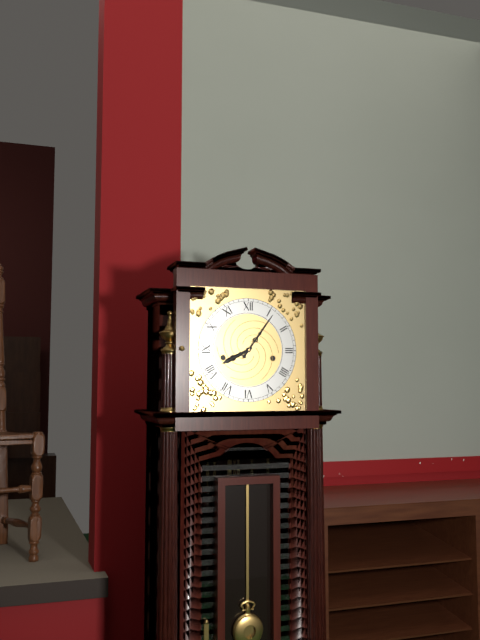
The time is h=8 m=6
